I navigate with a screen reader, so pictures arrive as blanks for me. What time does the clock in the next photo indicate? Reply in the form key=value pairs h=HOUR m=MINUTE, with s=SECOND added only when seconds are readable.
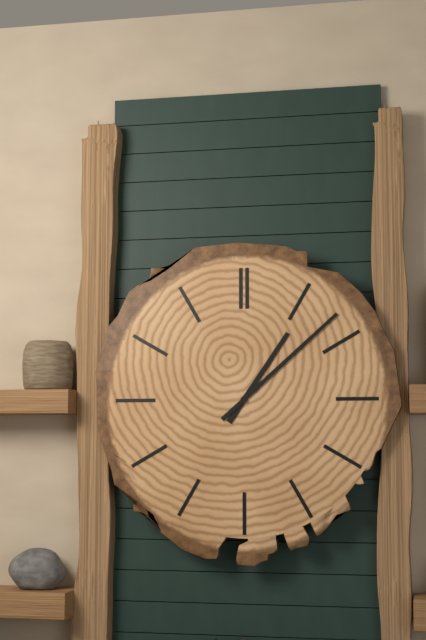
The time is h=1 m=8
